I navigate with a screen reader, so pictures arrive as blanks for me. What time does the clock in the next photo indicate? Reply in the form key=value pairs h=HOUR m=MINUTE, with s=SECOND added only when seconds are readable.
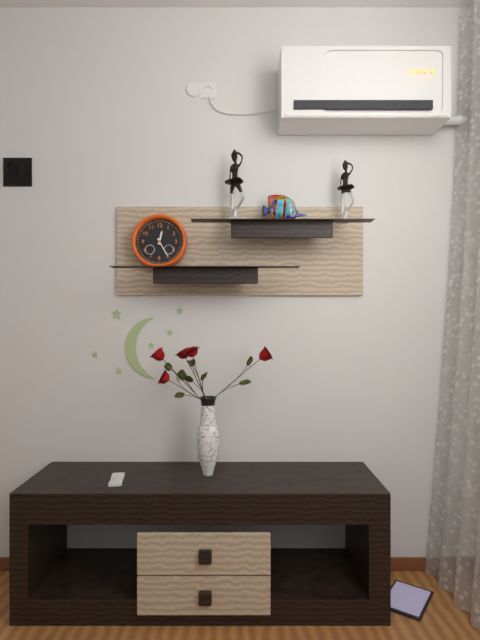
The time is h=12 m=25
